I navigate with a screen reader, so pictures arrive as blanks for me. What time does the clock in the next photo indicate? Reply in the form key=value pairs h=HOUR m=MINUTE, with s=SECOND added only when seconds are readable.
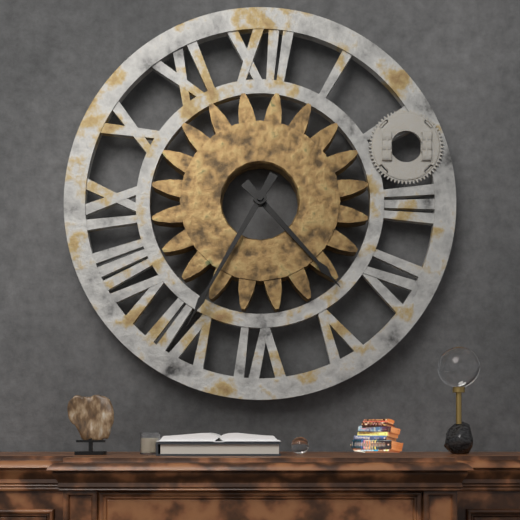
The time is h=4 m=35
